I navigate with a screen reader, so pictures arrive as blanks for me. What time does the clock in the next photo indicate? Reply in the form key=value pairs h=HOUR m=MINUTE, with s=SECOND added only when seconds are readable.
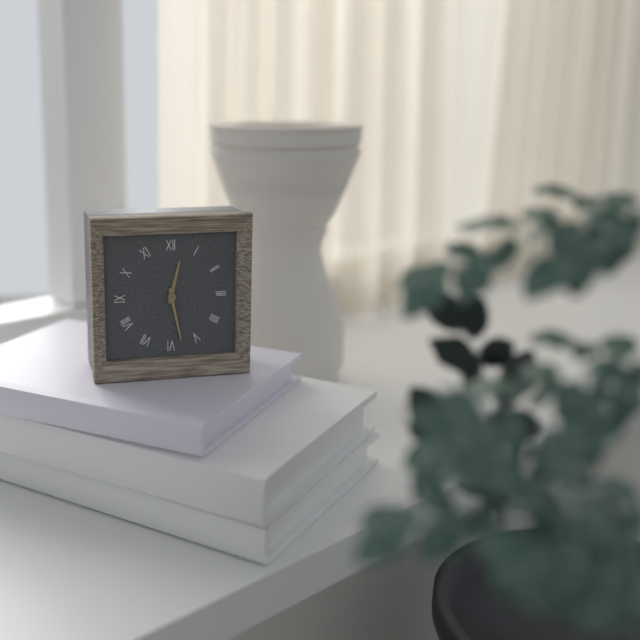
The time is h=12 m=28
